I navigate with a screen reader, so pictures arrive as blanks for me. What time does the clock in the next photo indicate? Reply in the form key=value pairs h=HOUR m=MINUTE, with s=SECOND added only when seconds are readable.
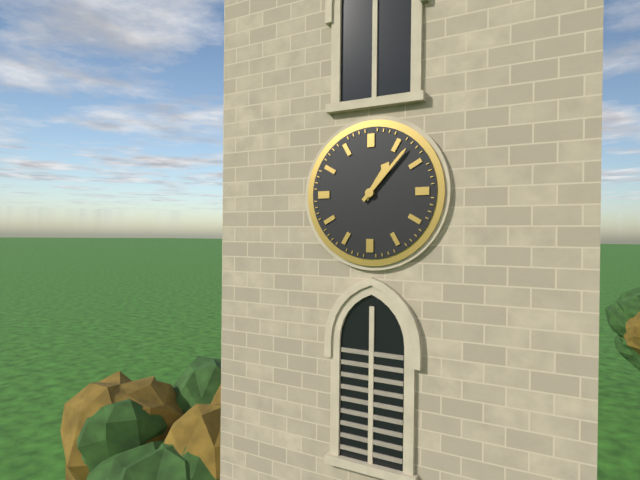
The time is h=1 m=7
